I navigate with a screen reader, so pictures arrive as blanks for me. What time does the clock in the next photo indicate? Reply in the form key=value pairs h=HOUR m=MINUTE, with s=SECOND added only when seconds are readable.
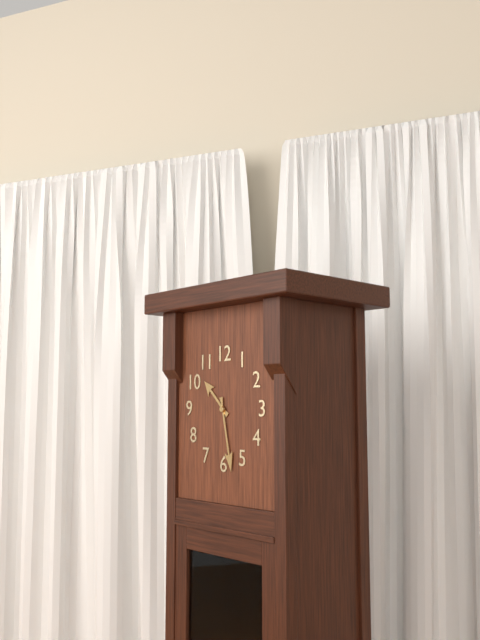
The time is h=10 m=28
